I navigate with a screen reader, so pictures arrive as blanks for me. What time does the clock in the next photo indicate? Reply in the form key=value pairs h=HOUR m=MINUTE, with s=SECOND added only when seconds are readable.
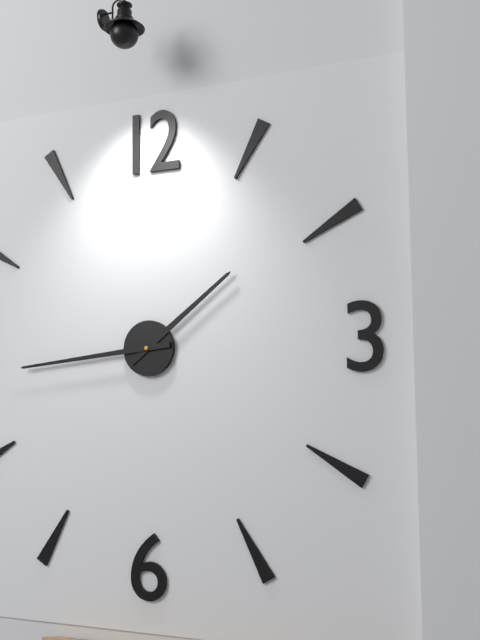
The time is h=1 m=44
